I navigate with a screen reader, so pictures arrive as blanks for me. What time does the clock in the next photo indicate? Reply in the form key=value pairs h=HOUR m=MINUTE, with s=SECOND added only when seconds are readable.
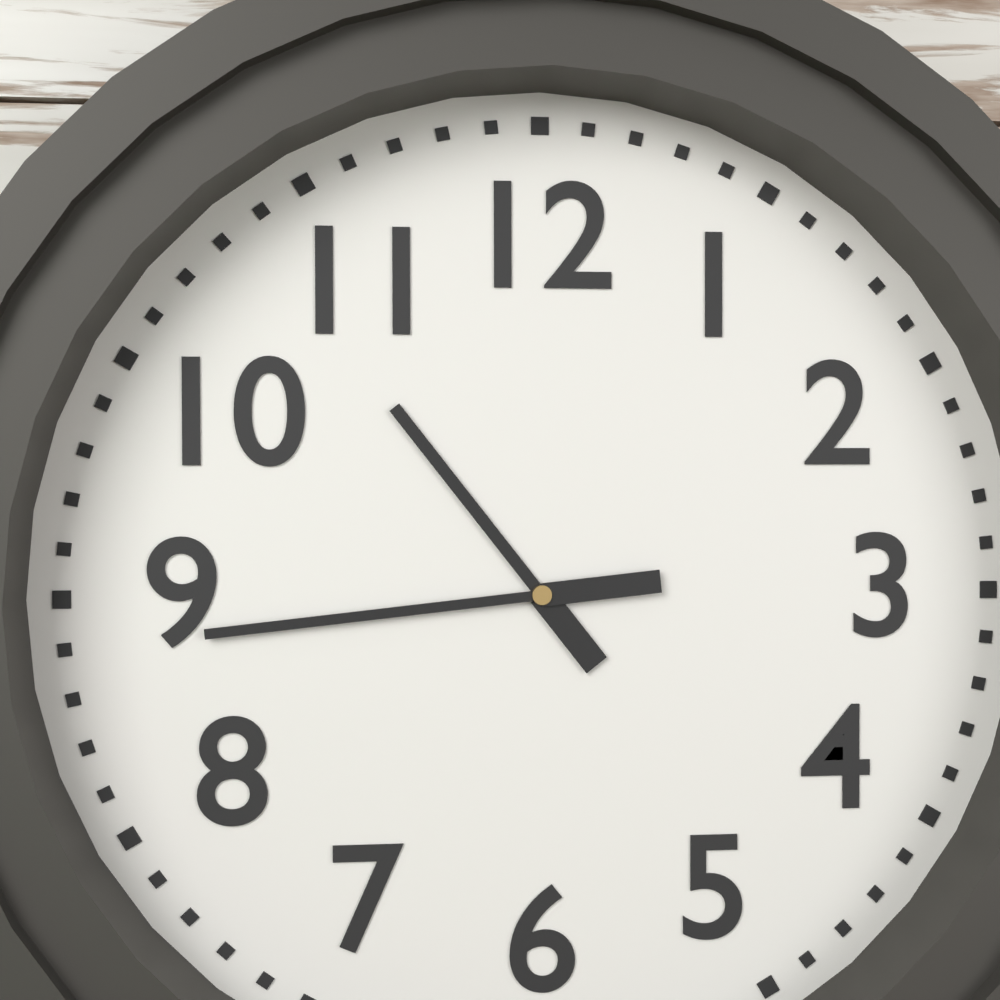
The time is h=10 m=44
